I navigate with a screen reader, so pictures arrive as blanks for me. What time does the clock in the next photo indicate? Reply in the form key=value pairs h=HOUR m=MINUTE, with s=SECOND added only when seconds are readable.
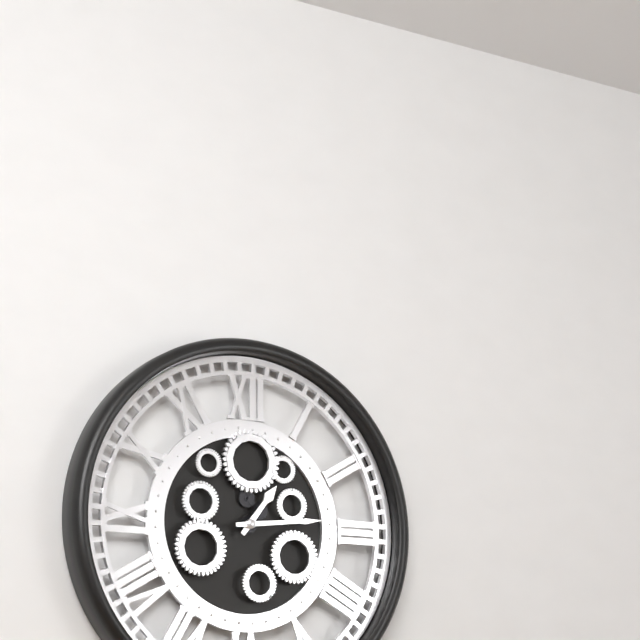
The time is h=1 m=14
